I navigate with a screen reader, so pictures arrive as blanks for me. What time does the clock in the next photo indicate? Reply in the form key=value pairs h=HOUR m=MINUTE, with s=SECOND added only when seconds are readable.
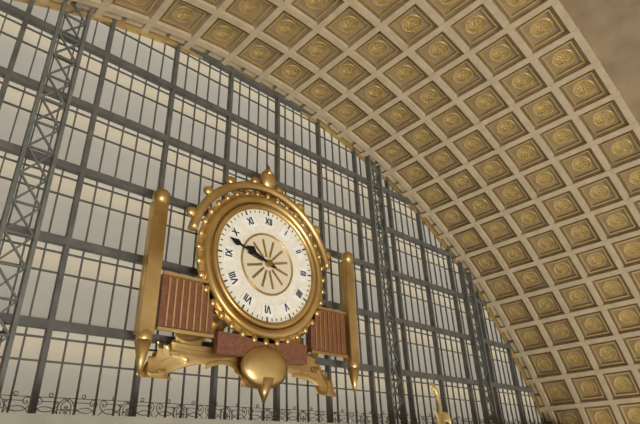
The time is h=9 m=48
